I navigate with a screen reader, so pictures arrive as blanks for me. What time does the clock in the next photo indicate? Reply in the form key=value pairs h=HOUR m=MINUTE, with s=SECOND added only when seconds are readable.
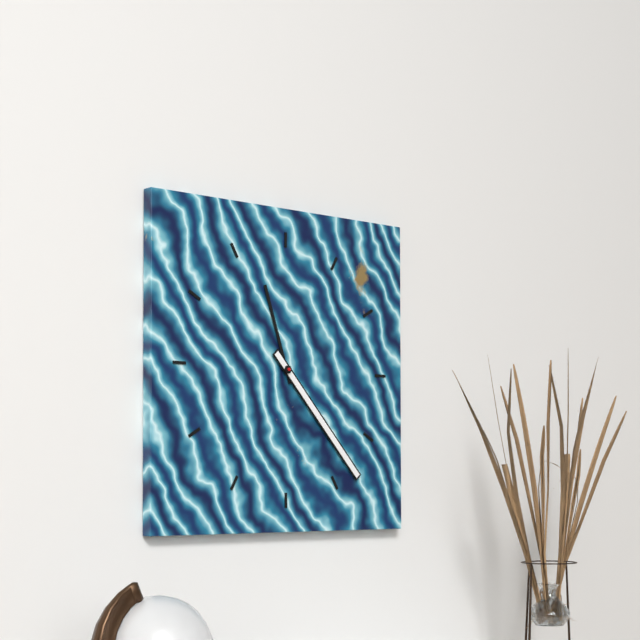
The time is h=11 m=23
